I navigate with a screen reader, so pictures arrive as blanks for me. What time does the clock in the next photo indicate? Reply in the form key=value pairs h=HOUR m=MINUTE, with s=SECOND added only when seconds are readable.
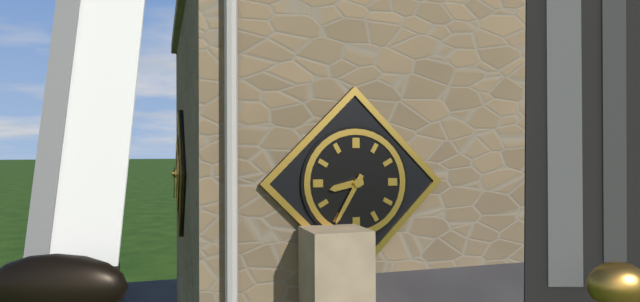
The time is h=8 m=35
